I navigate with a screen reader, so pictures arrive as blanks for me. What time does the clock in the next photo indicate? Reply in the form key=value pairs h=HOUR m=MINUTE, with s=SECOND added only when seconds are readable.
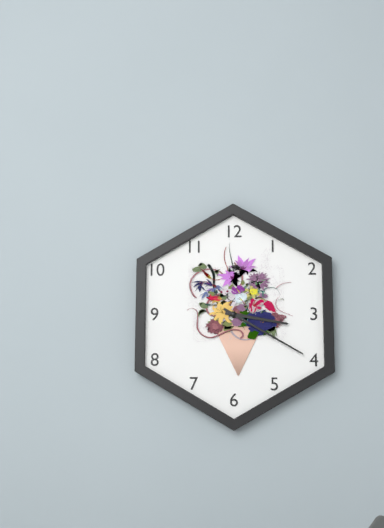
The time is h=3 m=20
